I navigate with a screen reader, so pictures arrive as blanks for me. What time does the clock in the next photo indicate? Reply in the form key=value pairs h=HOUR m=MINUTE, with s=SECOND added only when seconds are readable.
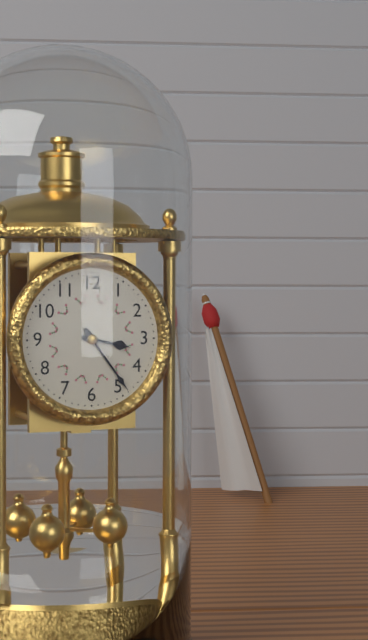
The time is h=3 m=24
